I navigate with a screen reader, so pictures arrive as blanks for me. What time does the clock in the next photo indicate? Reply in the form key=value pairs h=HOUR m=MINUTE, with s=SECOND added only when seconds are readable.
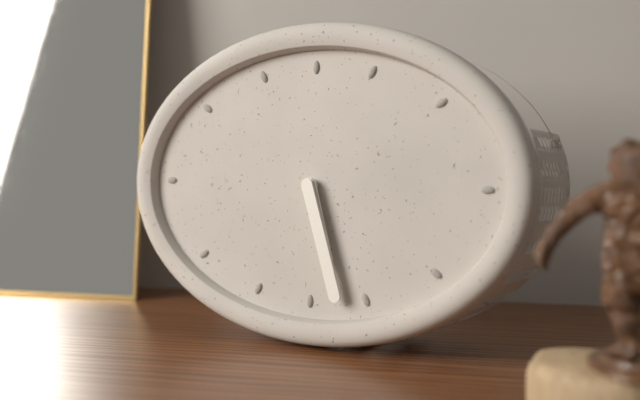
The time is h=5 m=27
